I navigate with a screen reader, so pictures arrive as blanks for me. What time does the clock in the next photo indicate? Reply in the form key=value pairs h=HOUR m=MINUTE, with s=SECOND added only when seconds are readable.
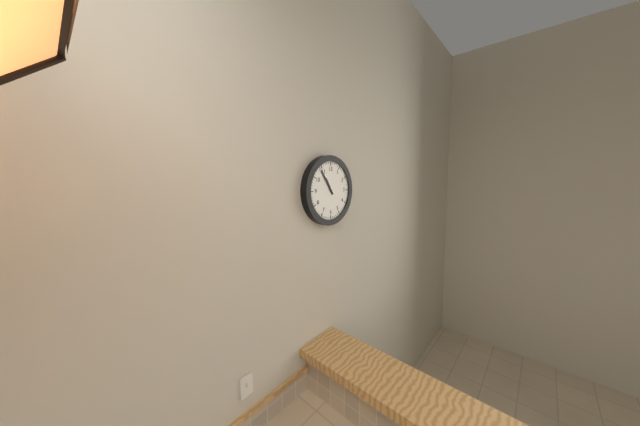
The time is h=10 m=54
